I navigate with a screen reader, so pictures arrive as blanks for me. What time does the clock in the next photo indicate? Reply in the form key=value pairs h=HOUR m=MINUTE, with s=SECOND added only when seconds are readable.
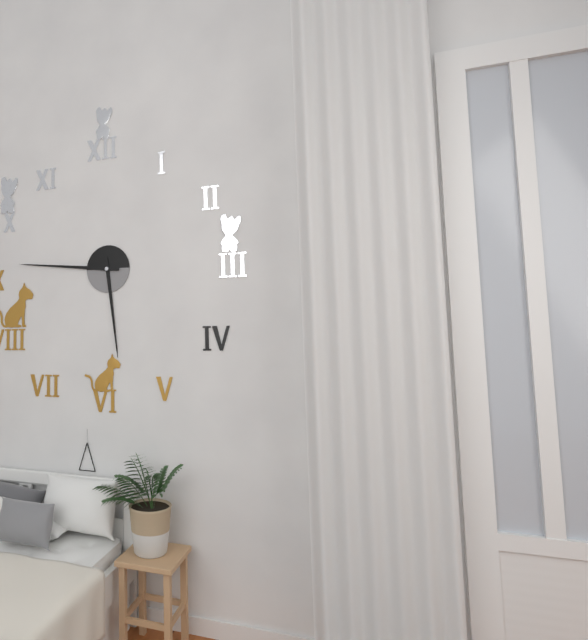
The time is h=5 m=46
